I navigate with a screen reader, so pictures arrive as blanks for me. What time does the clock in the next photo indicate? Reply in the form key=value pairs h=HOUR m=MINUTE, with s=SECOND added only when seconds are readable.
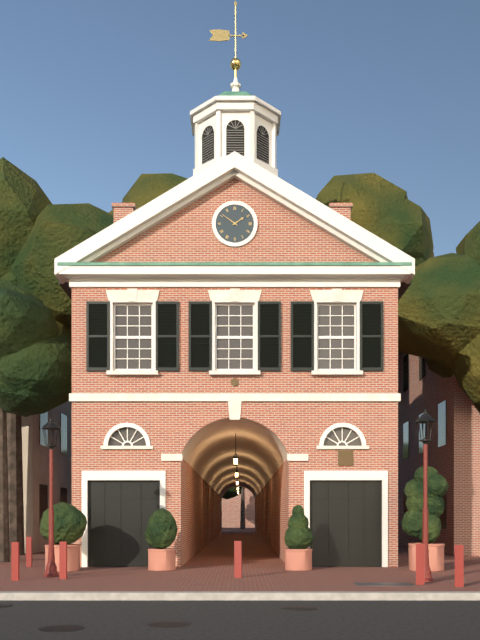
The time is h=1 m=51
